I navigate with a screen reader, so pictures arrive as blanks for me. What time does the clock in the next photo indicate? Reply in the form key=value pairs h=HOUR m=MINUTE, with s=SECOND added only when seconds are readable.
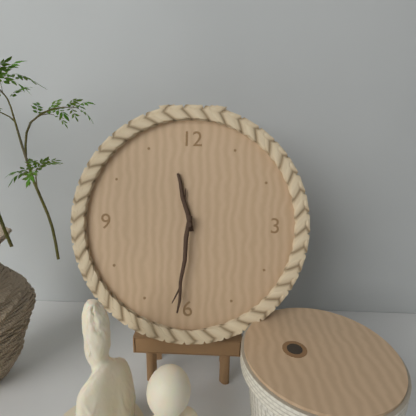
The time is h=11 m=31
